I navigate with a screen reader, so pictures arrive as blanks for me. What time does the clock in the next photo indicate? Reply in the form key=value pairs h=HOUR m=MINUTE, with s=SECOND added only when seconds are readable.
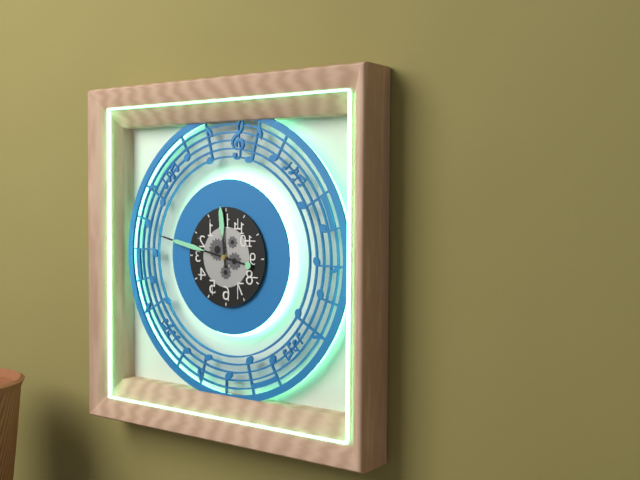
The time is h=11 m=47
